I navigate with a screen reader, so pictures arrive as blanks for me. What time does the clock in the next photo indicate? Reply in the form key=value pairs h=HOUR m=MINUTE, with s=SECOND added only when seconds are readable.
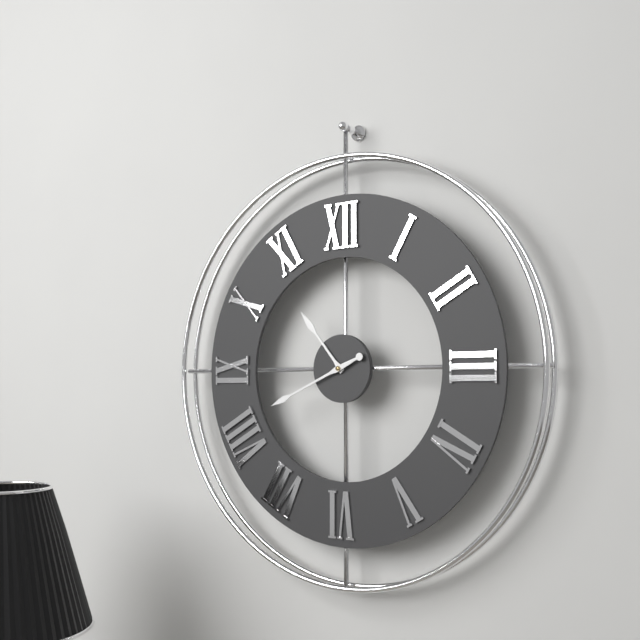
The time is h=10 m=41
